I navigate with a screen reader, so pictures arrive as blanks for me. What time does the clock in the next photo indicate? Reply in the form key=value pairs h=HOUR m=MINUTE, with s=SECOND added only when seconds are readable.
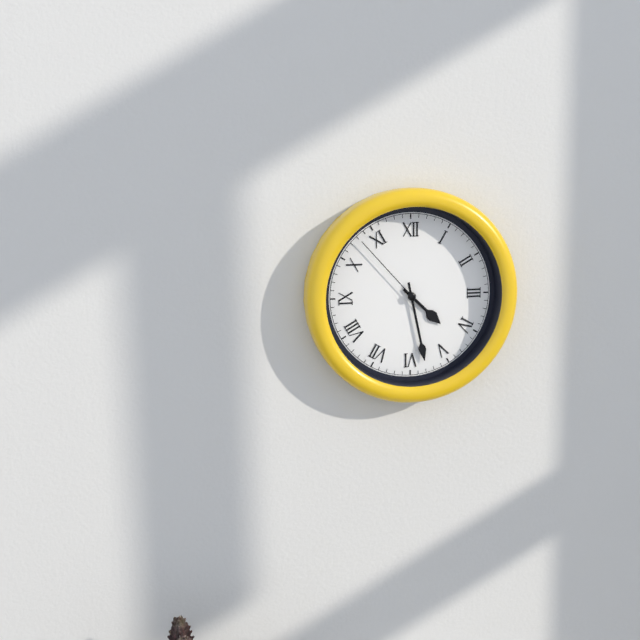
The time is h=4 m=28 s=53
